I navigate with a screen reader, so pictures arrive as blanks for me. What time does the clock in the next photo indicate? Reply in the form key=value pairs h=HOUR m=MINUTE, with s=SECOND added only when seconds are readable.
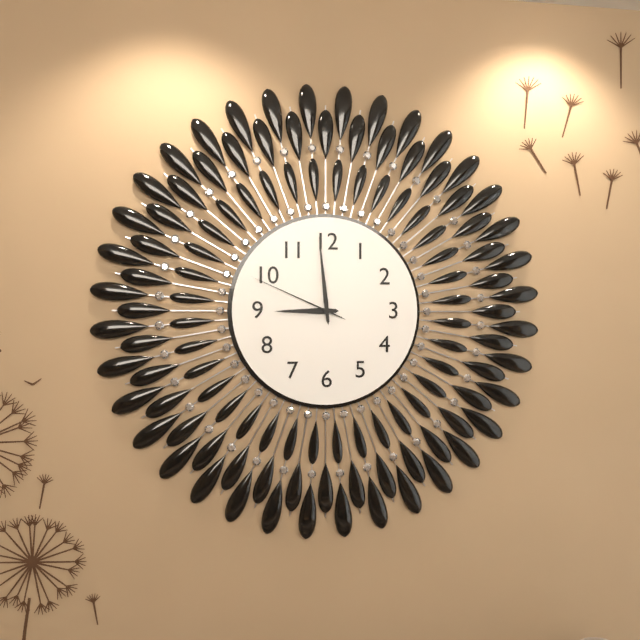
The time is h=8 m=59 s=49
